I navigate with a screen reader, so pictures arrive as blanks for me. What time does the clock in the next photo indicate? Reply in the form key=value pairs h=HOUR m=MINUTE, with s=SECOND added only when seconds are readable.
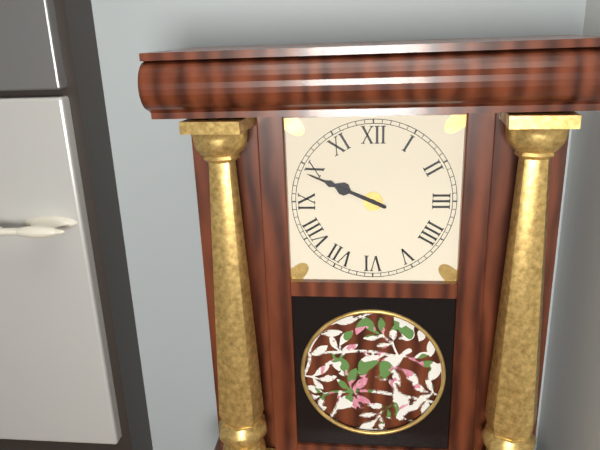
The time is h=9 m=49
